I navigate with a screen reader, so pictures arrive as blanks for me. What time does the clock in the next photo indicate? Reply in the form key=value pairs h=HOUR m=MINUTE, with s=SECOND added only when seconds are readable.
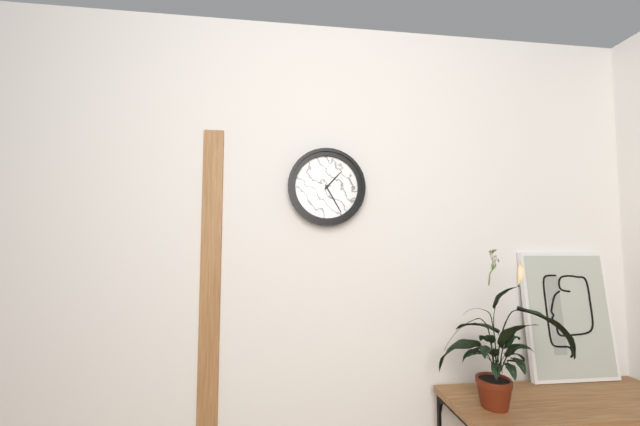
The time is h=1 m=25
